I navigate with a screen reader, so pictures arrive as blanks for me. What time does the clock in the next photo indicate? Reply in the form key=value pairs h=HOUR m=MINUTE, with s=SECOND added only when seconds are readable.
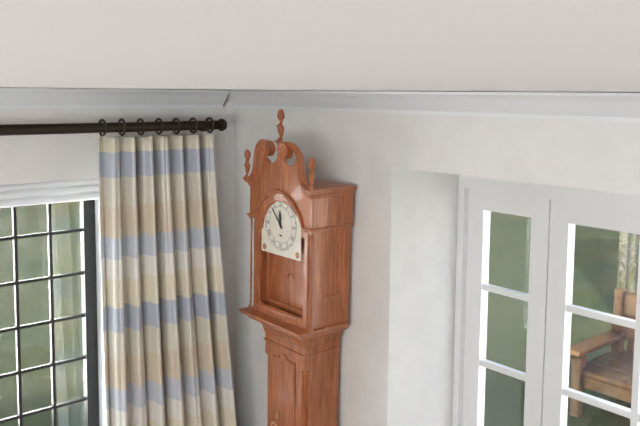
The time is h=11 m=53
